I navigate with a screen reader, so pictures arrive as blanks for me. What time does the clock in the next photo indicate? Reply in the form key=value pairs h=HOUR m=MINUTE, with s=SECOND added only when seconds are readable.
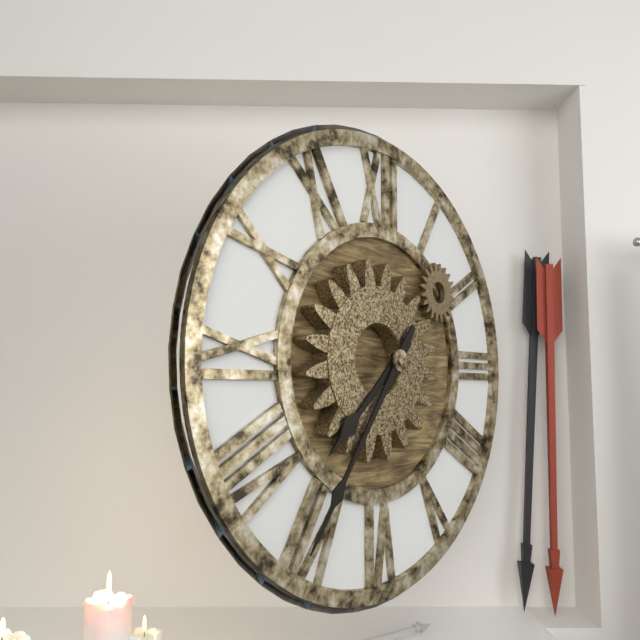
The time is h=7 m=36
